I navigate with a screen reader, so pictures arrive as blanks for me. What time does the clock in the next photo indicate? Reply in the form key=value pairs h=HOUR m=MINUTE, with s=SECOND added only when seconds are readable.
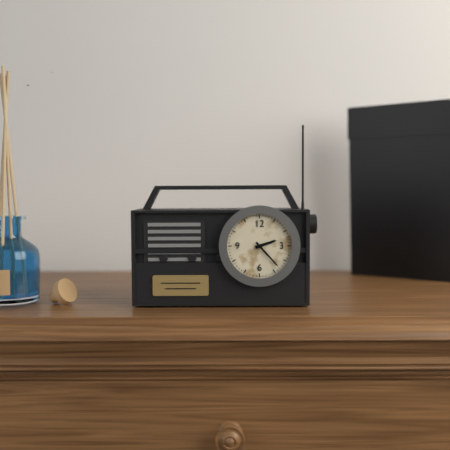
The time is h=2 m=23
